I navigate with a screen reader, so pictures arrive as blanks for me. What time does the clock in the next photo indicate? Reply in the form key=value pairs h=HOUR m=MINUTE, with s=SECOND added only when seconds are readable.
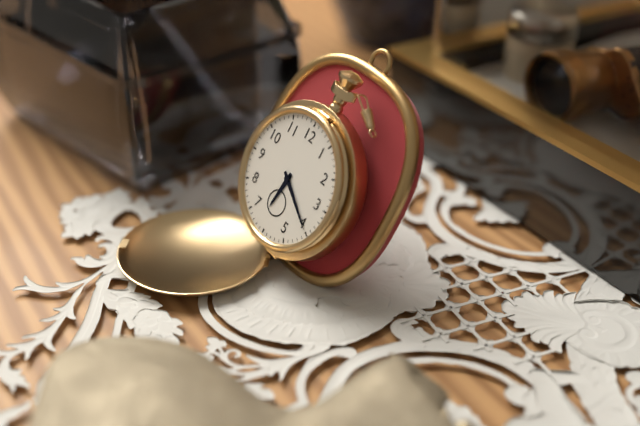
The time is h=6 m=20
